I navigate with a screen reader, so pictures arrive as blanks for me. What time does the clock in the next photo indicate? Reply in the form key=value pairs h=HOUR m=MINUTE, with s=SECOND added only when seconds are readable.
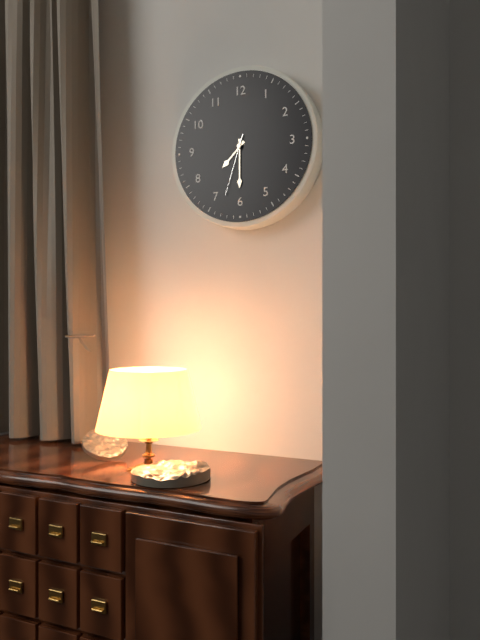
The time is h=7 m=30 s=33
